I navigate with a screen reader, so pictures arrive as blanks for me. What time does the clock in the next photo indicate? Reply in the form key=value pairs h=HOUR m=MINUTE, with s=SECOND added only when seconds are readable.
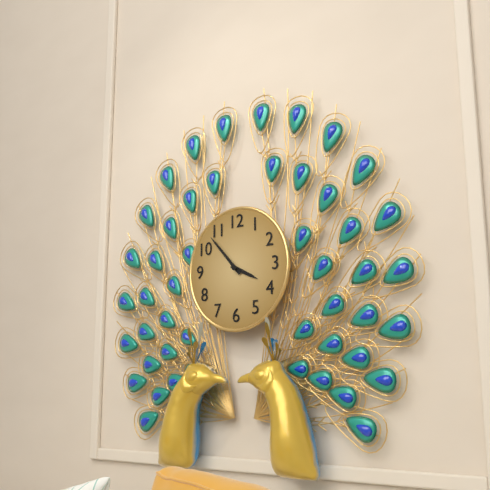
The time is h=3 m=53
